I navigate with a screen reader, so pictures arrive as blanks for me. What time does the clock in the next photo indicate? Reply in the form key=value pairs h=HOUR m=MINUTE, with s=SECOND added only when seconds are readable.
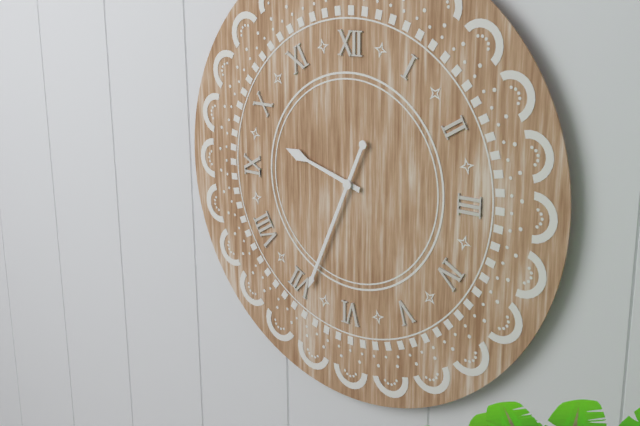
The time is h=9 m=34
